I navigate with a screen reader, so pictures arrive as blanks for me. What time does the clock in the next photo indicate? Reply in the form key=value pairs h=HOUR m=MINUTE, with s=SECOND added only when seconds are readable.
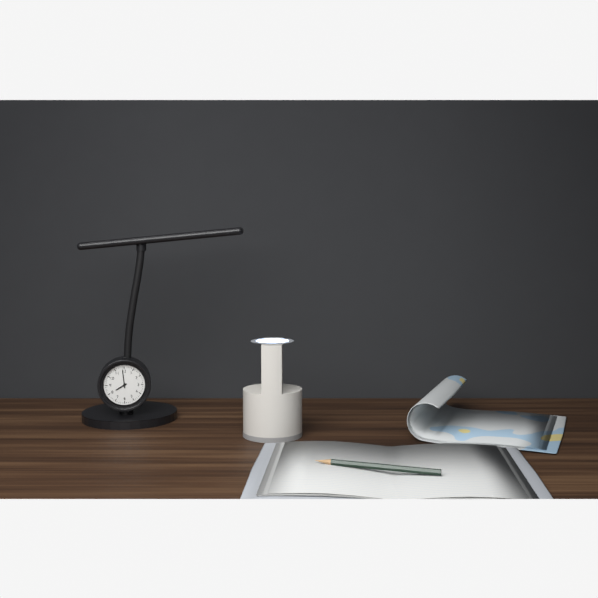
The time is h=7 m=59
